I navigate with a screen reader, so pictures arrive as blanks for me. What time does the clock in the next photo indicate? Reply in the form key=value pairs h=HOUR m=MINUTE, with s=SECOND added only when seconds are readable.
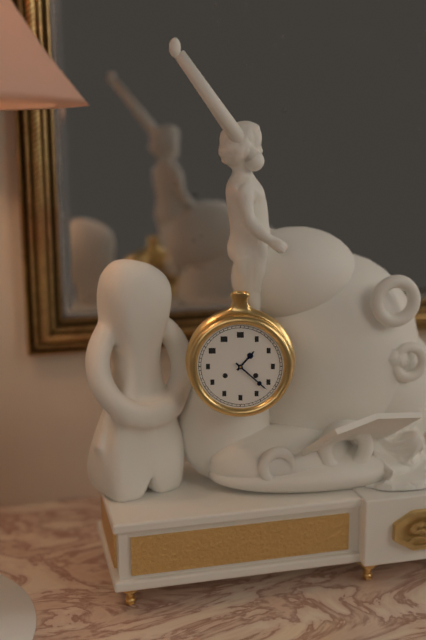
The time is h=1 m=22
